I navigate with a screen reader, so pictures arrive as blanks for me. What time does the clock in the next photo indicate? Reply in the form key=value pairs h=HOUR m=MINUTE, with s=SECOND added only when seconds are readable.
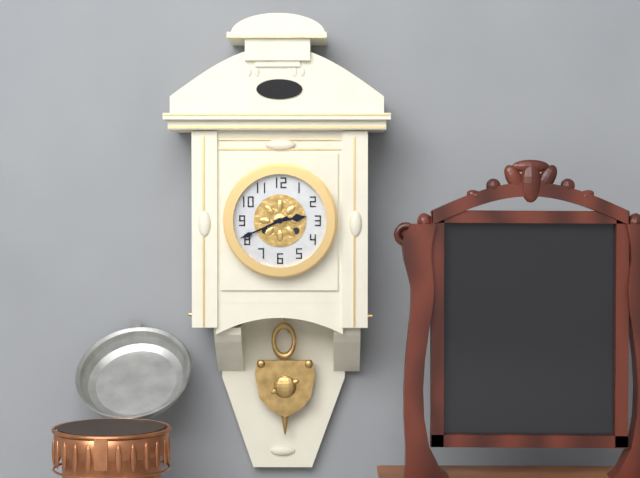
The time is h=2 m=41
